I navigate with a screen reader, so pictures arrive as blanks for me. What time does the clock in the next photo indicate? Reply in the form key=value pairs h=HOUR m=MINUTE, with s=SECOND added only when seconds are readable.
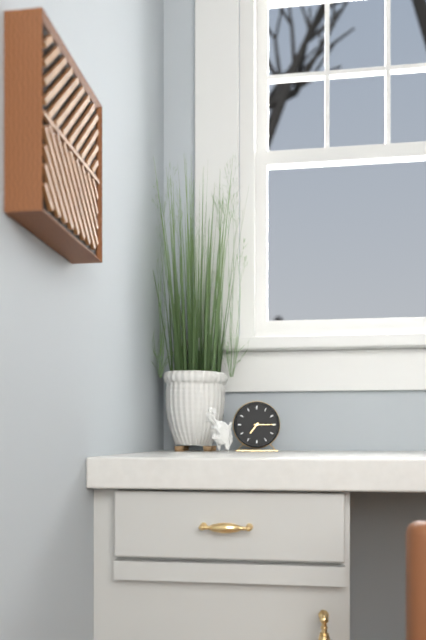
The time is h=7 m=15
